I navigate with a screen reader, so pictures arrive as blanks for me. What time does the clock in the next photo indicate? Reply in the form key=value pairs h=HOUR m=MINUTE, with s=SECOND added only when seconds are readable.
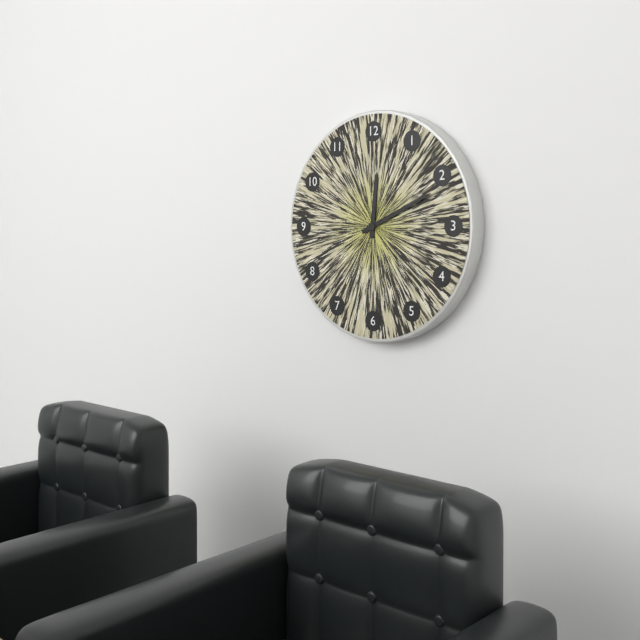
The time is h=12 m=11
